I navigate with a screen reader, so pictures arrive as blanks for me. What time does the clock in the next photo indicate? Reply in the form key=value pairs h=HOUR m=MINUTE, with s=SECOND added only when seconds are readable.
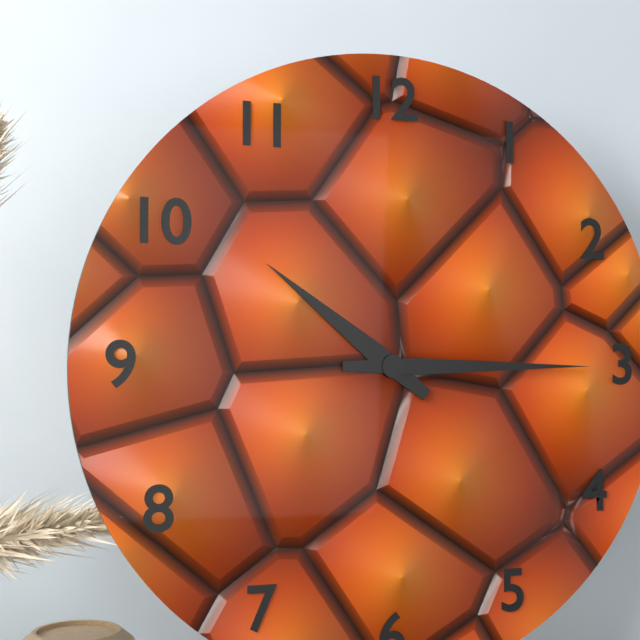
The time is h=10 m=15
